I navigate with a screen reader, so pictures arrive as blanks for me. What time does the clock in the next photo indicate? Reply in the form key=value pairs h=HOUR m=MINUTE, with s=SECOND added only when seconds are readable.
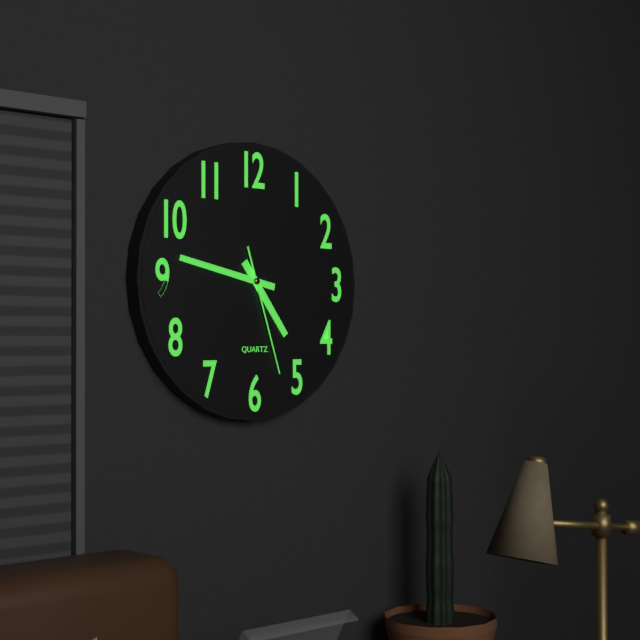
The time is h=4 m=47 s=27
